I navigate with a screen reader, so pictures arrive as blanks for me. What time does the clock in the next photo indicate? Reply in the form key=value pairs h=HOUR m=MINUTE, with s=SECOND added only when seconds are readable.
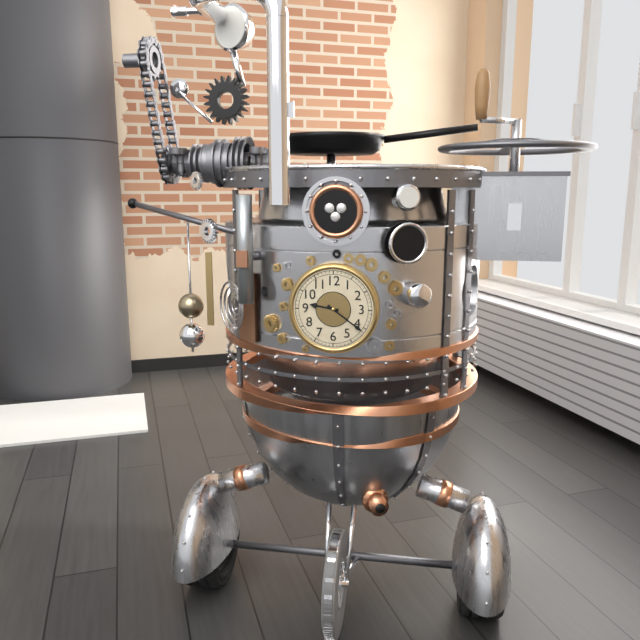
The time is h=9 m=21
